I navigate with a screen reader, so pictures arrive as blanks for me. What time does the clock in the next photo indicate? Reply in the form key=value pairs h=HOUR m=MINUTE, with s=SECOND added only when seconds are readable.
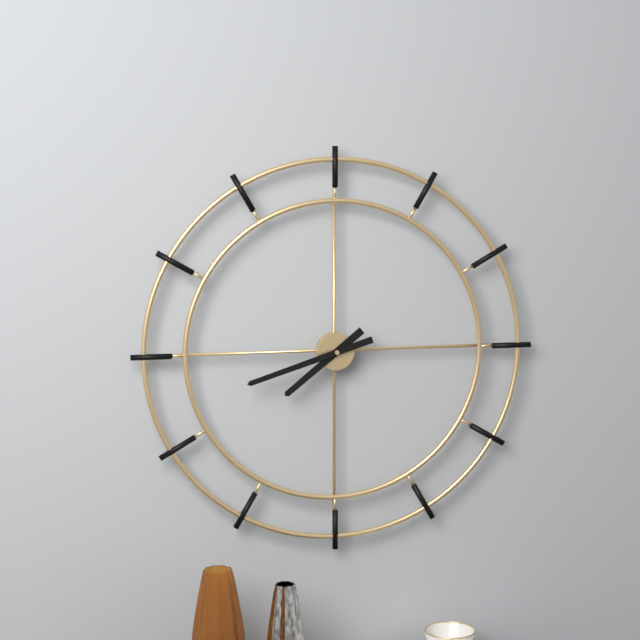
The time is h=7 m=42
